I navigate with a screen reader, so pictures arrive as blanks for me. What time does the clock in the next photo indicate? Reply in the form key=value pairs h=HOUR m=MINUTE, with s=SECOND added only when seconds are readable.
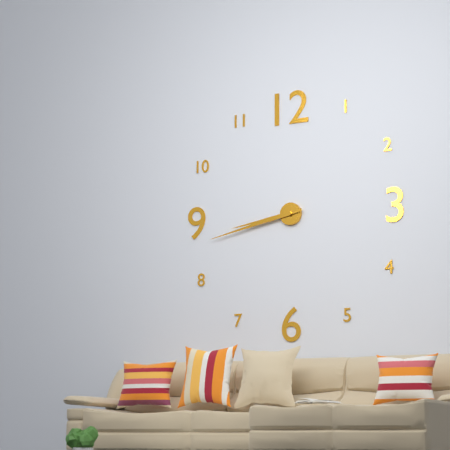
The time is h=8 m=43
